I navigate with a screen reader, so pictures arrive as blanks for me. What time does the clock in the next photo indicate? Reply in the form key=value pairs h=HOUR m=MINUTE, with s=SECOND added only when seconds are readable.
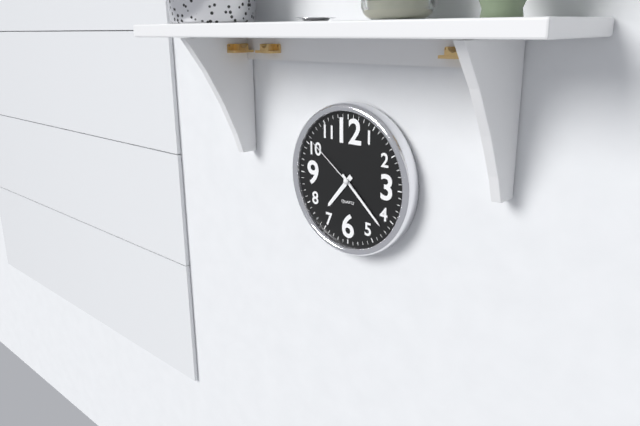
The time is h=7 m=22 s=51
